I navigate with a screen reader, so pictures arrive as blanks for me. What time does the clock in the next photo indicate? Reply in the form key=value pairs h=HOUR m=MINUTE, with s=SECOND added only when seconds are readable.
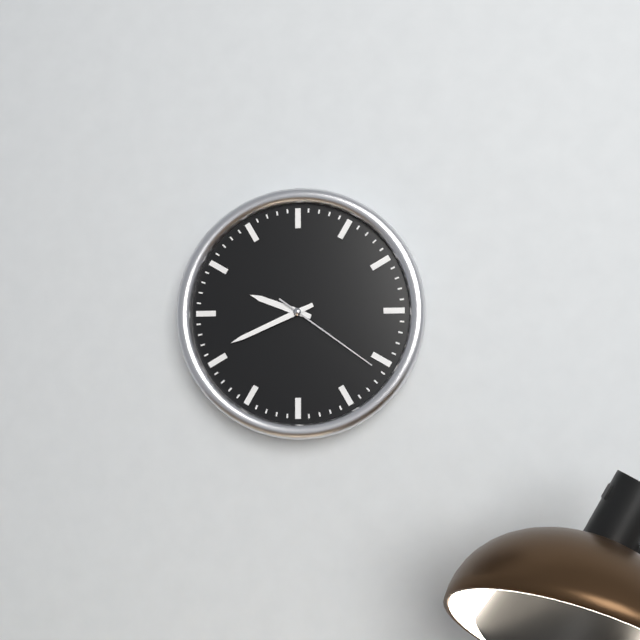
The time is h=9 m=41 s=21
